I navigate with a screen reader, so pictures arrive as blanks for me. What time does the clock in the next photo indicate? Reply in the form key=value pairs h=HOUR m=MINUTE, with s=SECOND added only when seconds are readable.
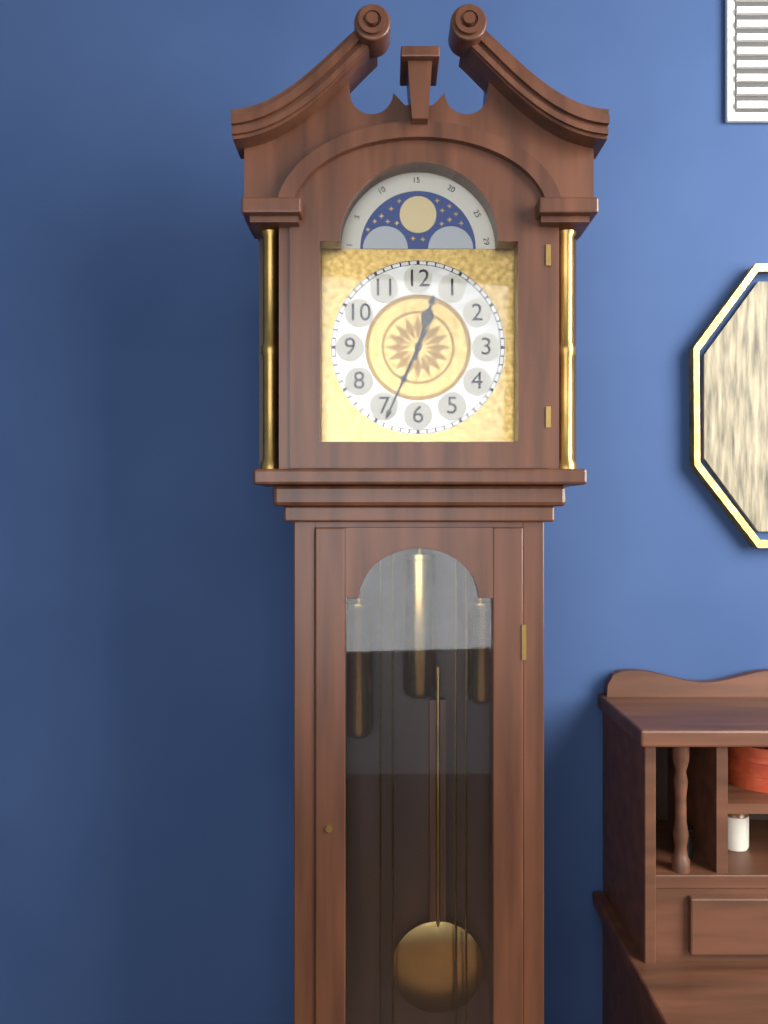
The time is h=12 m=34
